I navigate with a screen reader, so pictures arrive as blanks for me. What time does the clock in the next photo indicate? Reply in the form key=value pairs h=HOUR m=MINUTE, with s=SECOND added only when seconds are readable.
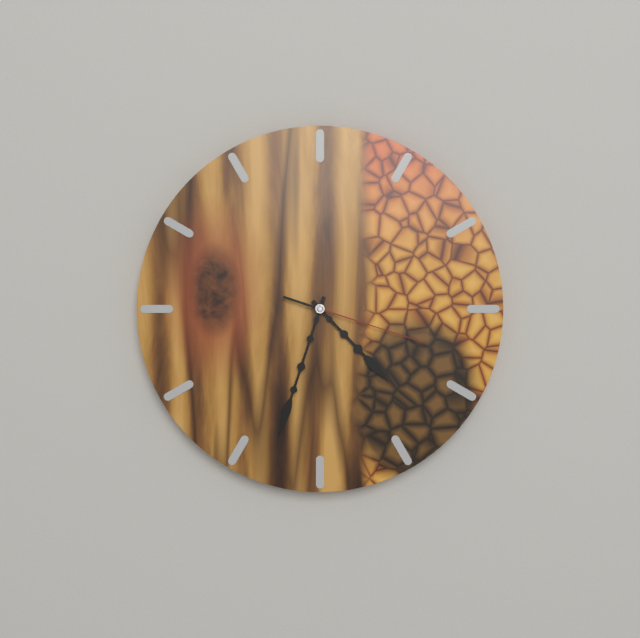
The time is h=4 m=33 s=18
